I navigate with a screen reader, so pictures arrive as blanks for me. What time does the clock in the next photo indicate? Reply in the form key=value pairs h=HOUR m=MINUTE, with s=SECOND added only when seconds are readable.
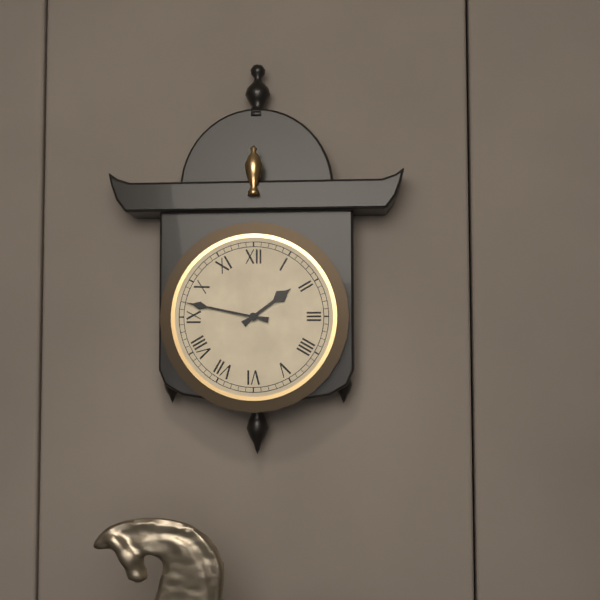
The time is h=1 m=47
